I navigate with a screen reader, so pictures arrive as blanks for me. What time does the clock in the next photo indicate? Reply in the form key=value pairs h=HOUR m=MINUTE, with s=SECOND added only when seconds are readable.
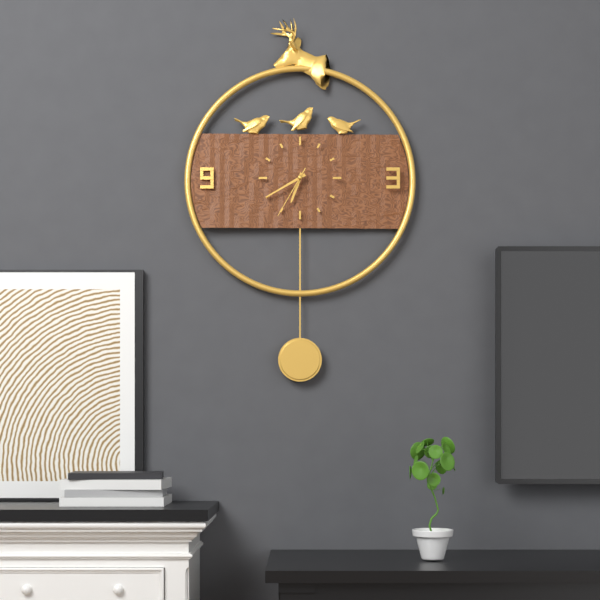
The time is h=6 m=40 s=35
